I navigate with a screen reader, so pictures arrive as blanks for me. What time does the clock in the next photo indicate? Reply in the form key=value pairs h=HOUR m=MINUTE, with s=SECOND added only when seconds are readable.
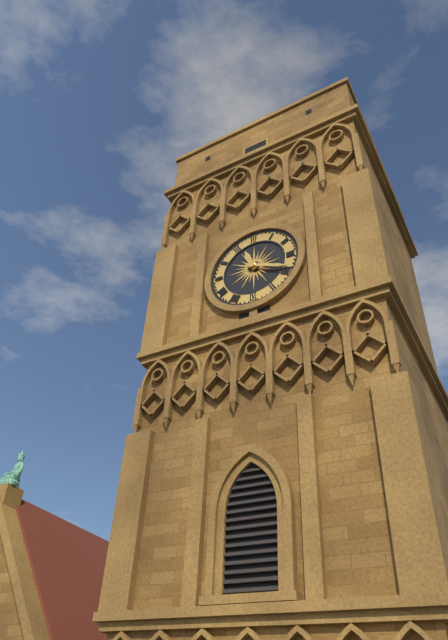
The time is h=11 m=19
